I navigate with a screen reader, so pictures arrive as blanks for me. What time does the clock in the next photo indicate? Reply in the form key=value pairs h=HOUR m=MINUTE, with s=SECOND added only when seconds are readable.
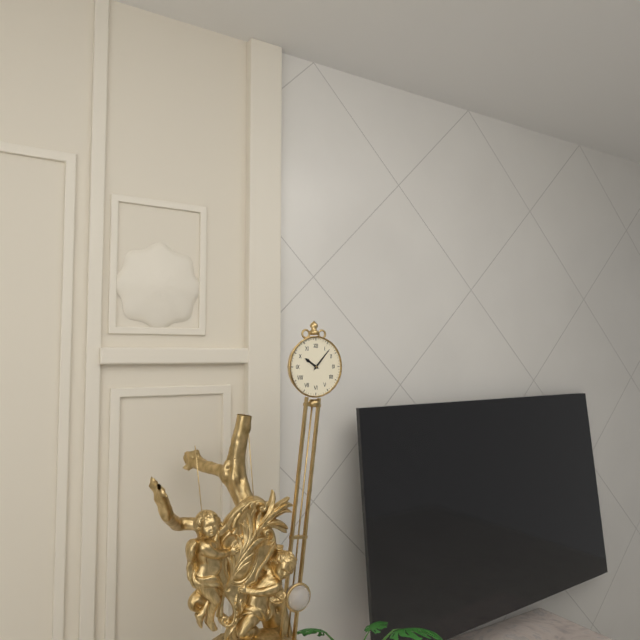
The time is h=10 m=7
